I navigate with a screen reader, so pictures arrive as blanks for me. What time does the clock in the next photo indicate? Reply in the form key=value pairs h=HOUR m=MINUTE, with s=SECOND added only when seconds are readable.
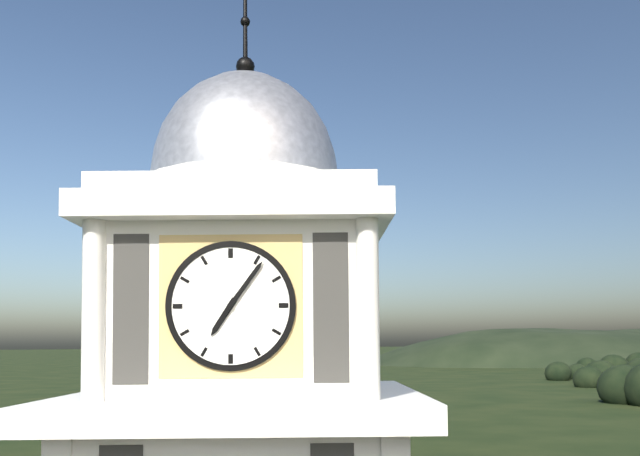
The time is h=7 m=6
